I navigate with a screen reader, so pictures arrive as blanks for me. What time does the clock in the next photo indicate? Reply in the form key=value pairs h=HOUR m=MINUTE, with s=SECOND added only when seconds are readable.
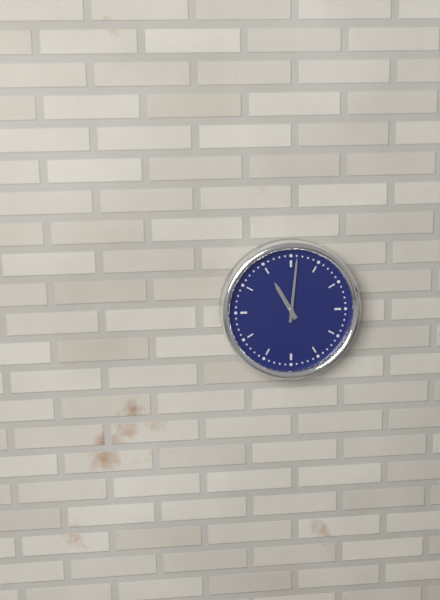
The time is h=11 m=1
